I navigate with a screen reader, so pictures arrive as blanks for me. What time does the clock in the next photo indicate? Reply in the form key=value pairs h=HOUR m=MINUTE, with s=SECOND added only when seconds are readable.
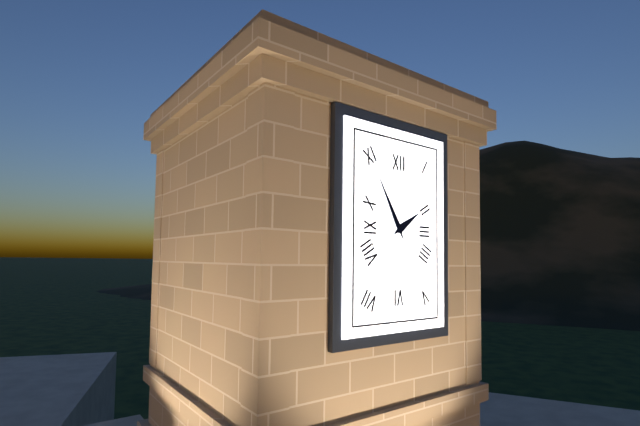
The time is h=1 m=55
